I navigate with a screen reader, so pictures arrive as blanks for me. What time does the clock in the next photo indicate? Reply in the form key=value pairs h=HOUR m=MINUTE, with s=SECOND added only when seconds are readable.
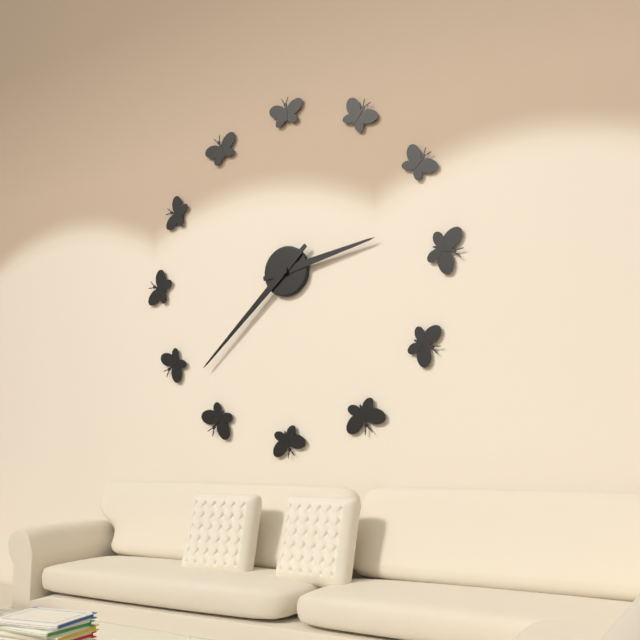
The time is h=2 m=38
